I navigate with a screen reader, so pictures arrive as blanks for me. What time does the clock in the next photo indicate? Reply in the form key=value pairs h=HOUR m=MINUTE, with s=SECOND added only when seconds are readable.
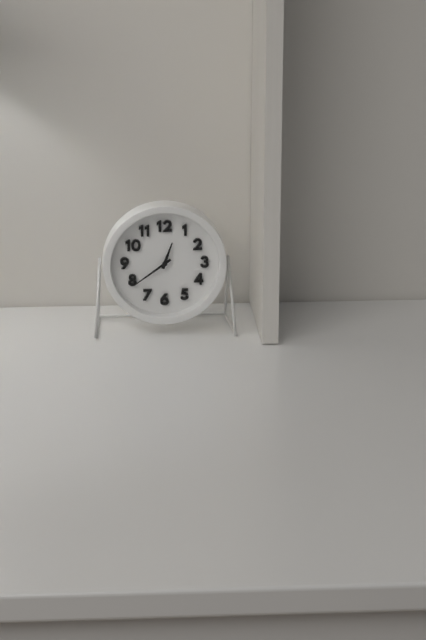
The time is h=12 m=39
